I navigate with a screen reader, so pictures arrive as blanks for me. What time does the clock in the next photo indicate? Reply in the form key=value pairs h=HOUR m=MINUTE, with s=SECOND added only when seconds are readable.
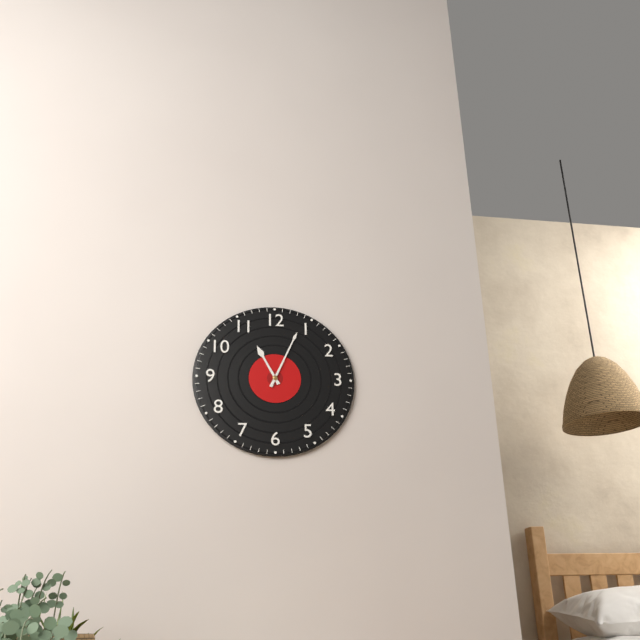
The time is h=11 m=4
